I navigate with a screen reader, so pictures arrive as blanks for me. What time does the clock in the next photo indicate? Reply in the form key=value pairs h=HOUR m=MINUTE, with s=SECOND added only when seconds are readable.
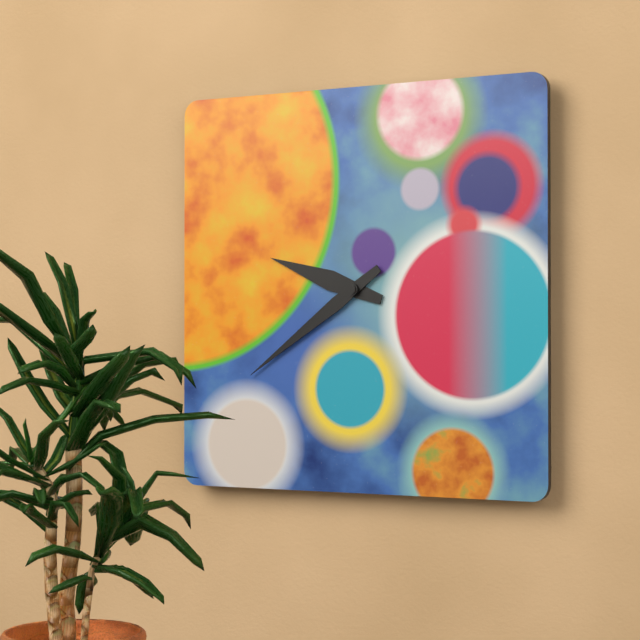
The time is h=9 m=39
